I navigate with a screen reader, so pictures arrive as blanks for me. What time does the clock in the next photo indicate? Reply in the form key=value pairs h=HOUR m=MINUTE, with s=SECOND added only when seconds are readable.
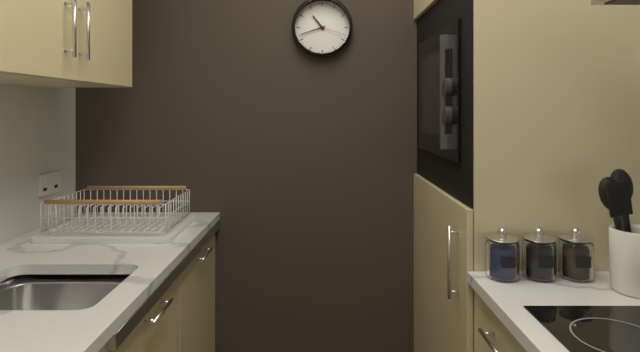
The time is h=10 m=42
